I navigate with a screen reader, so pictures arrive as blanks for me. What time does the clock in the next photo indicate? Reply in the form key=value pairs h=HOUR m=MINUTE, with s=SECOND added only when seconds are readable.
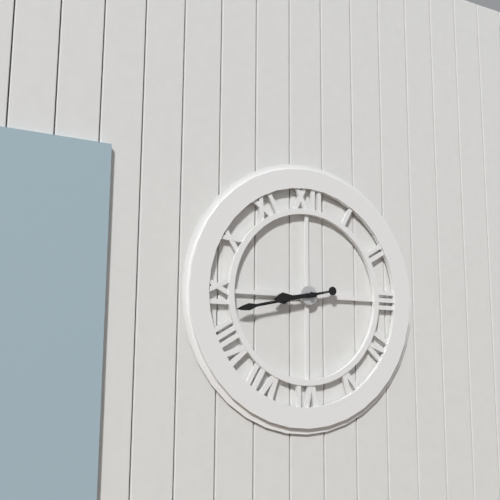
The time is h=8 m=43
